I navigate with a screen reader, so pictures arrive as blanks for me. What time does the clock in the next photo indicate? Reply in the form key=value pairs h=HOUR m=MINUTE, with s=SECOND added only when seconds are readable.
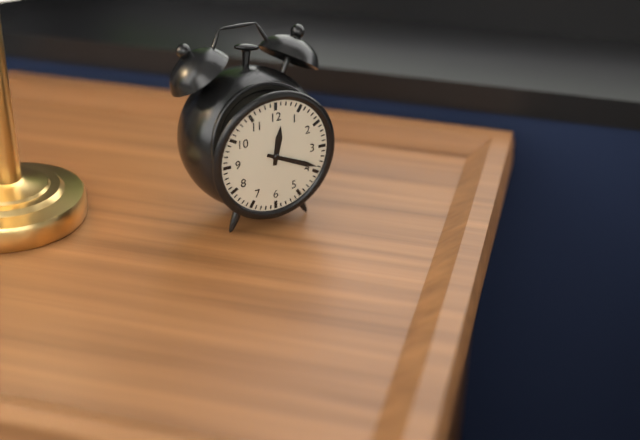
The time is h=12 m=19
